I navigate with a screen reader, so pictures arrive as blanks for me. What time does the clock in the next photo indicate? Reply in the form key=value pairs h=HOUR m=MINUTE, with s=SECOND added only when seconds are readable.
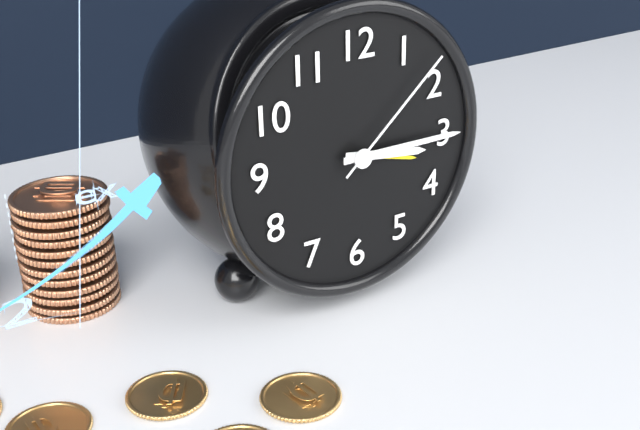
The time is h=3 m=15 s=8
